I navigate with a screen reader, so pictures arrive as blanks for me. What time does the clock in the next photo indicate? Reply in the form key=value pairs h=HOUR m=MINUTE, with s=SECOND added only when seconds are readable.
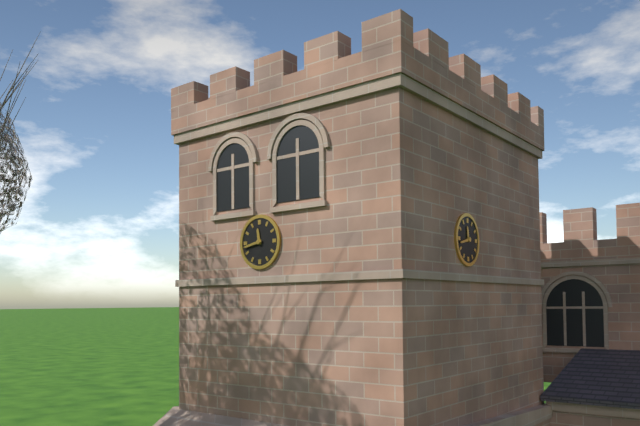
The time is h=11 m=43
